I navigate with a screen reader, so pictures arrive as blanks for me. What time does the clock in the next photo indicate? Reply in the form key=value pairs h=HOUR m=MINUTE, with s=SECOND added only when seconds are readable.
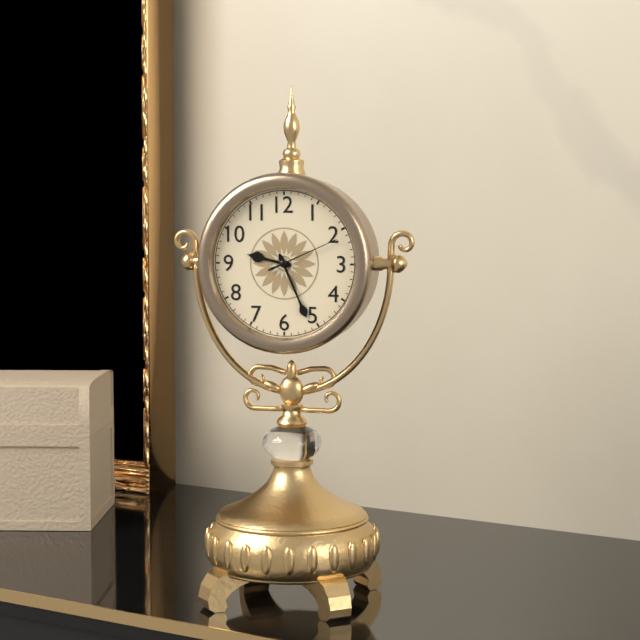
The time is h=9 m=26 s=11
